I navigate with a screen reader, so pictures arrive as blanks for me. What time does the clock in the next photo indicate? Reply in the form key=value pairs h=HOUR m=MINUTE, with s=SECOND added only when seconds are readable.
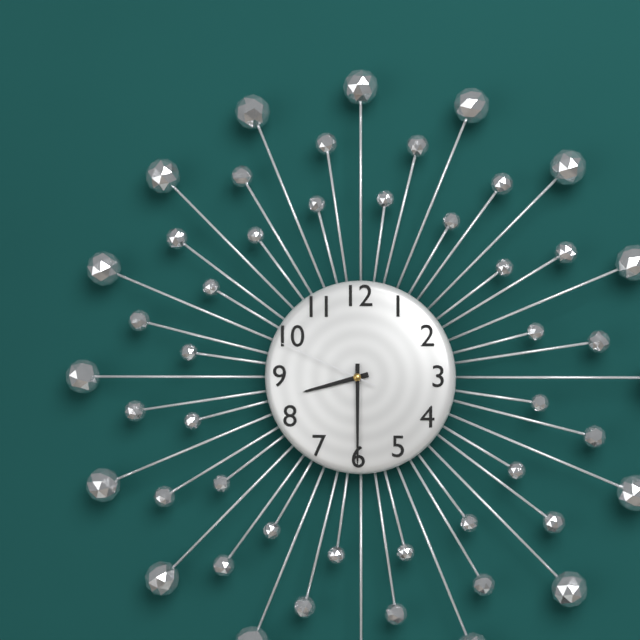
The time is h=8 m=30 s=49
